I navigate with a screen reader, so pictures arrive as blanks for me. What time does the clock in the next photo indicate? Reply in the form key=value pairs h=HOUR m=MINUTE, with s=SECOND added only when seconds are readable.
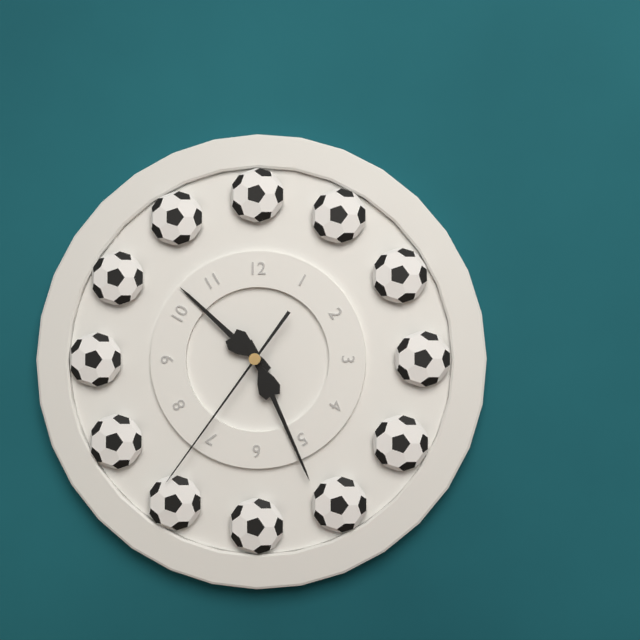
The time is h=10 m=26 s=36
